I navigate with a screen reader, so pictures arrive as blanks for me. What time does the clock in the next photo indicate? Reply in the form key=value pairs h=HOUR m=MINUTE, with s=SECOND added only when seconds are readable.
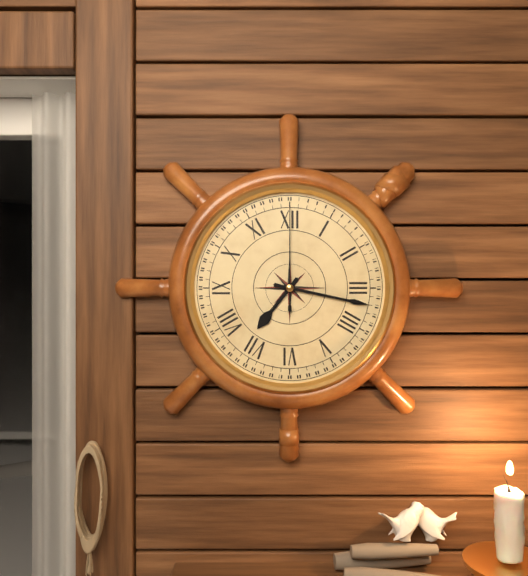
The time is h=7 m=17 s=0
